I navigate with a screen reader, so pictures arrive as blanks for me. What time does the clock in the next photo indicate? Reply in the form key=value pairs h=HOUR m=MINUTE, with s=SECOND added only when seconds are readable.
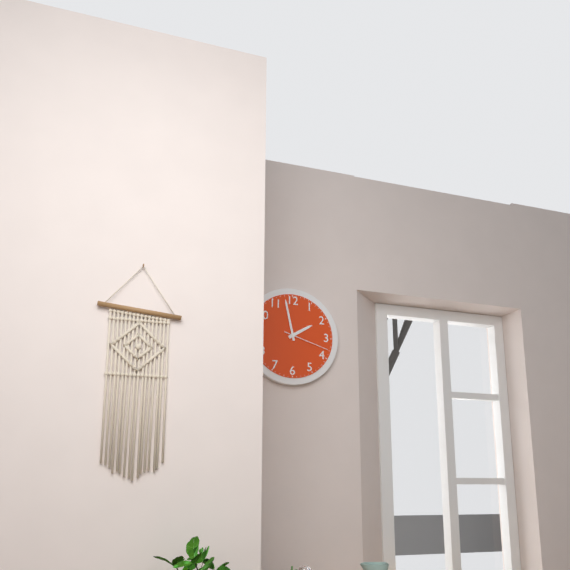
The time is h=1 m=58
